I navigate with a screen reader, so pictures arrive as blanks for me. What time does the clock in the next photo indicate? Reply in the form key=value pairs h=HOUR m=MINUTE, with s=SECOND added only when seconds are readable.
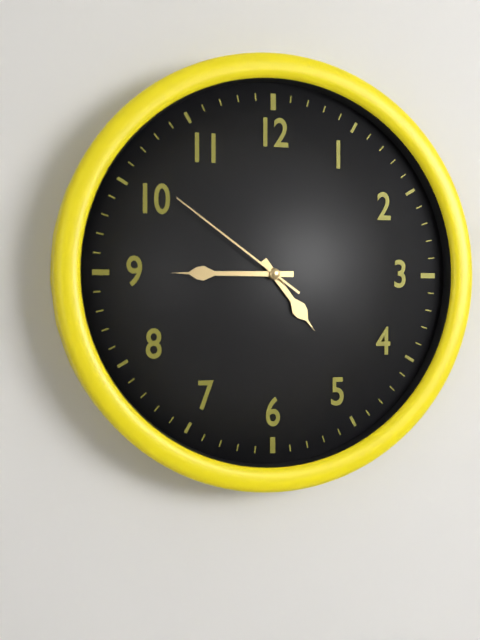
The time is h=4 m=45 s=51
